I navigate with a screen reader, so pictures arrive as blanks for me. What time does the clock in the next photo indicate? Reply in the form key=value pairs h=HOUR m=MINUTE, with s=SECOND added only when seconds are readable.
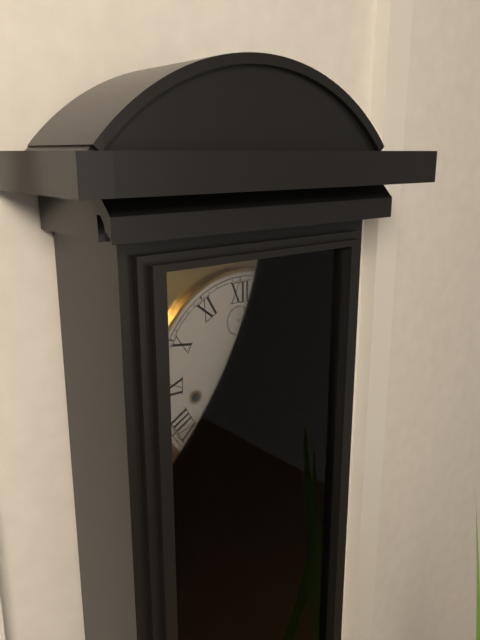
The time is h=4 m=31
